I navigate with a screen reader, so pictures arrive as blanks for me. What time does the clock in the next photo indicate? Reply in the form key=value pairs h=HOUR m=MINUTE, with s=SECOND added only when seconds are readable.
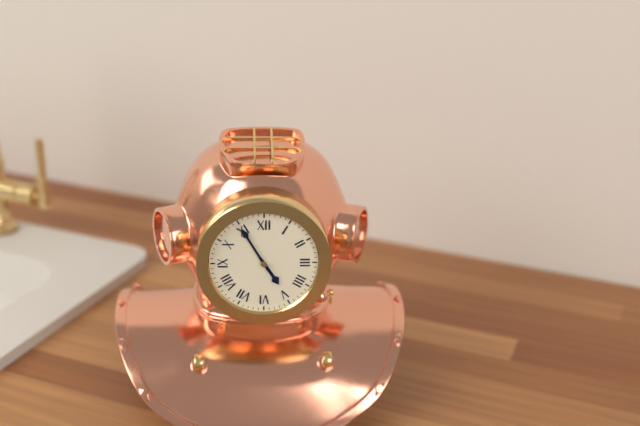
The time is h=4 m=55
